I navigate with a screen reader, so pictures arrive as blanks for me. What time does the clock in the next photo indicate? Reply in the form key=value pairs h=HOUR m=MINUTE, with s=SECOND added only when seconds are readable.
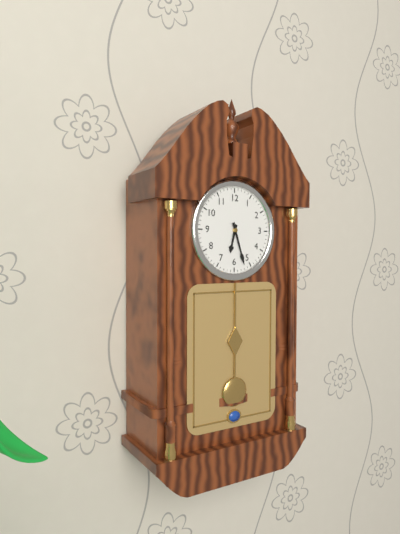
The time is h=6 m=27
